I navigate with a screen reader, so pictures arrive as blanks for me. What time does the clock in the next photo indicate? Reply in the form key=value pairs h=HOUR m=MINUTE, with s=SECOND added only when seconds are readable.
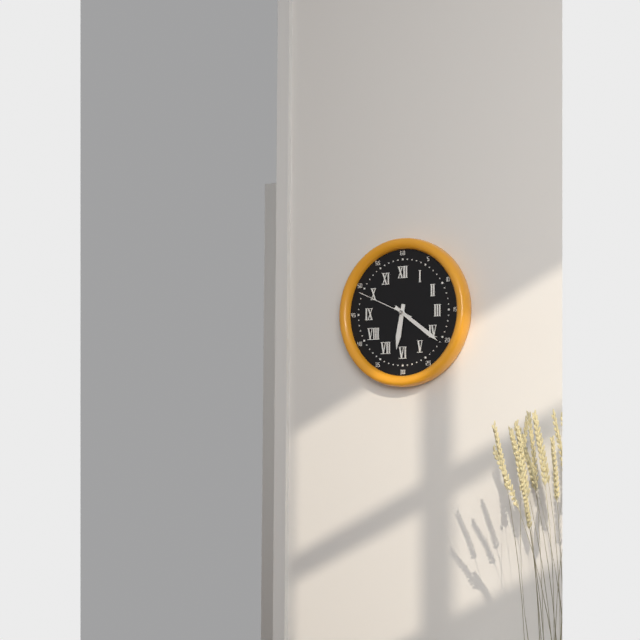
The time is h=6 m=21 s=49
